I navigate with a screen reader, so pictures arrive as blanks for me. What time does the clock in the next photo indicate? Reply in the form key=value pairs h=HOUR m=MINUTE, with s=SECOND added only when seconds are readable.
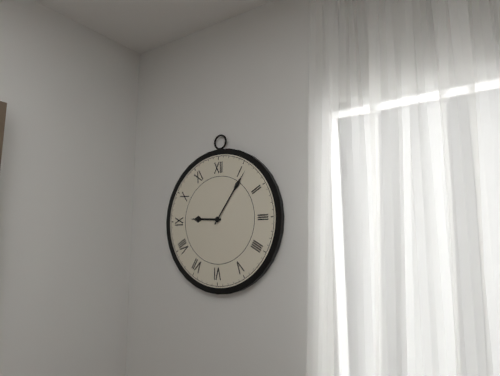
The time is h=9 m=6
